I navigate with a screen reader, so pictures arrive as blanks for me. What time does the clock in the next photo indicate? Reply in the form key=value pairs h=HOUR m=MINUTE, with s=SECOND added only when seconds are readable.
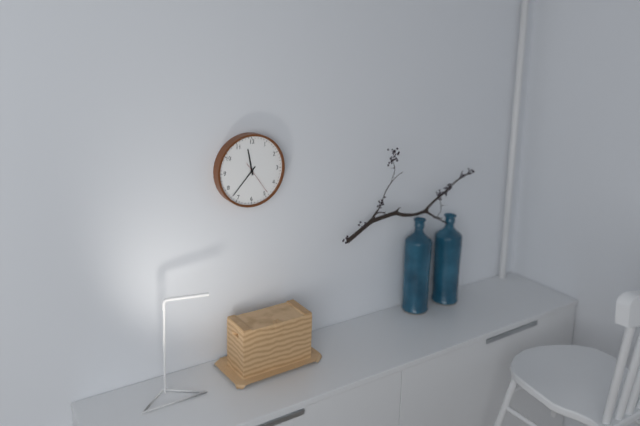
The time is h=11 m=37
